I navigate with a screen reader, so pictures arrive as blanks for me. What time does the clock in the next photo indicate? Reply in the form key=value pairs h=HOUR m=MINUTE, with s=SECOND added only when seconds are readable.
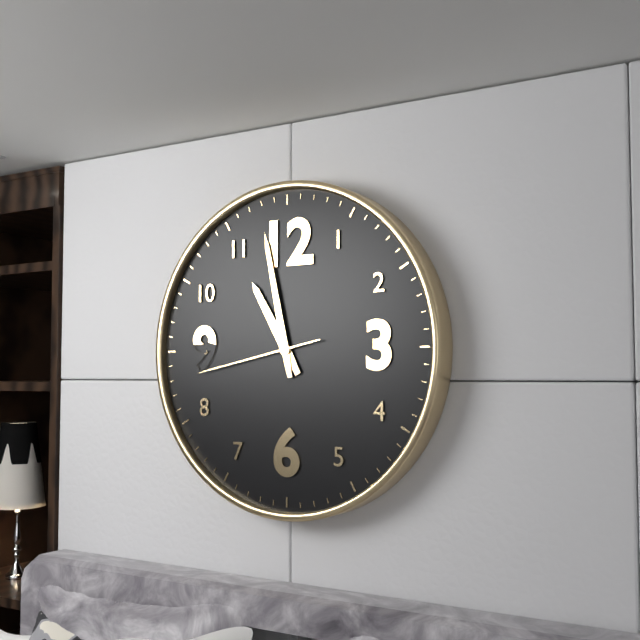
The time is h=10 m=58 s=43
